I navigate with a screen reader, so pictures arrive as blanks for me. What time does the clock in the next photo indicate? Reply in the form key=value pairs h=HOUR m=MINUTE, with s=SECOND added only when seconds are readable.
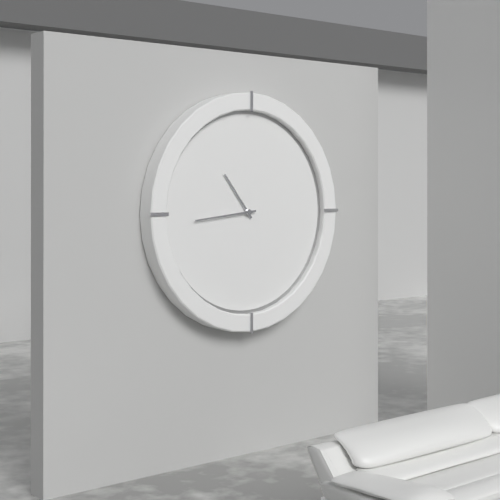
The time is h=10 m=44
